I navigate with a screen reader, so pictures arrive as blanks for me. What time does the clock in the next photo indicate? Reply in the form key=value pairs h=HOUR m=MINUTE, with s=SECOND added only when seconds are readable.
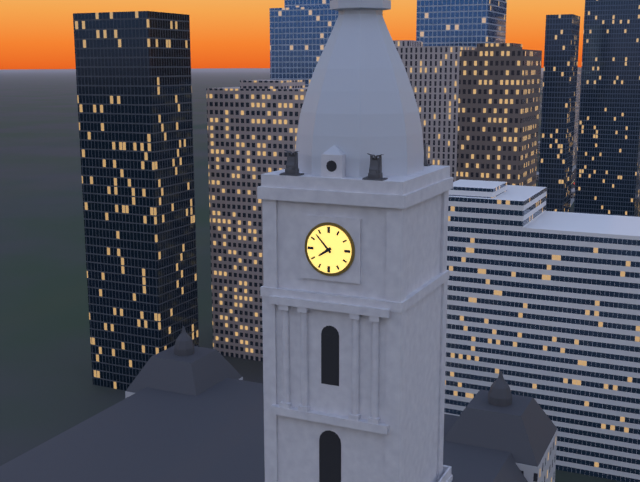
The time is h=7 m=53
